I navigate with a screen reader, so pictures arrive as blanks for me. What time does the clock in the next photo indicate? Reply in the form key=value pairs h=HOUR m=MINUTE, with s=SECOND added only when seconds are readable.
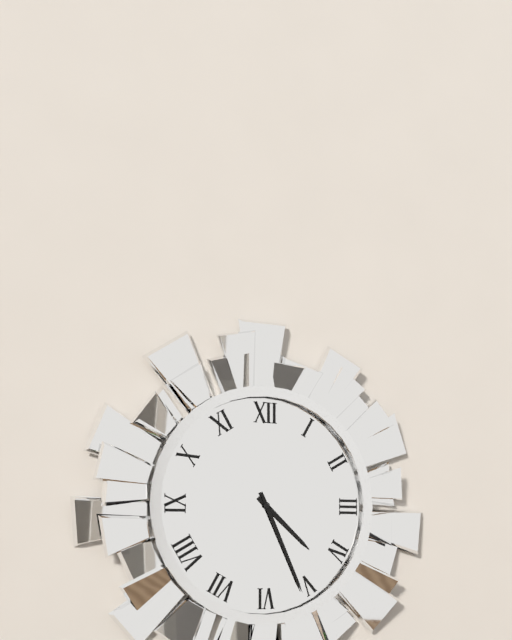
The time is h=4 m=26
